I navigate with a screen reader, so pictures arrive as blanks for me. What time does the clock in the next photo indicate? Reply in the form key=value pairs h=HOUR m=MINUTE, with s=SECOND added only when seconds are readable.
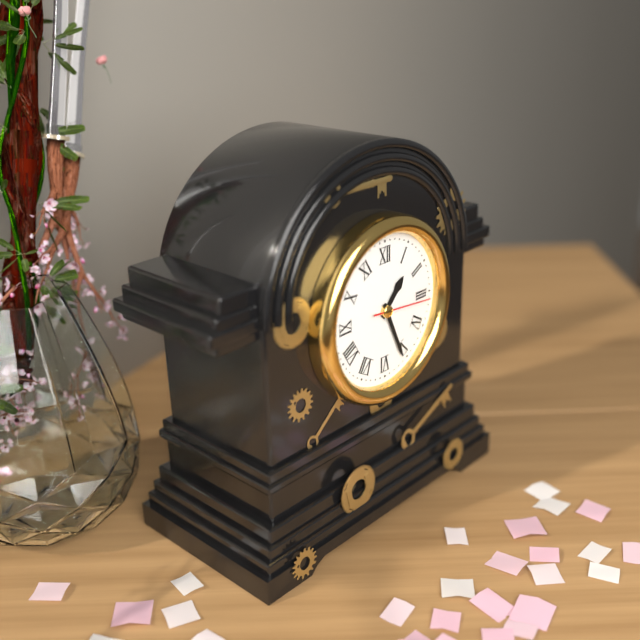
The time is h=1 m=26 s=16
